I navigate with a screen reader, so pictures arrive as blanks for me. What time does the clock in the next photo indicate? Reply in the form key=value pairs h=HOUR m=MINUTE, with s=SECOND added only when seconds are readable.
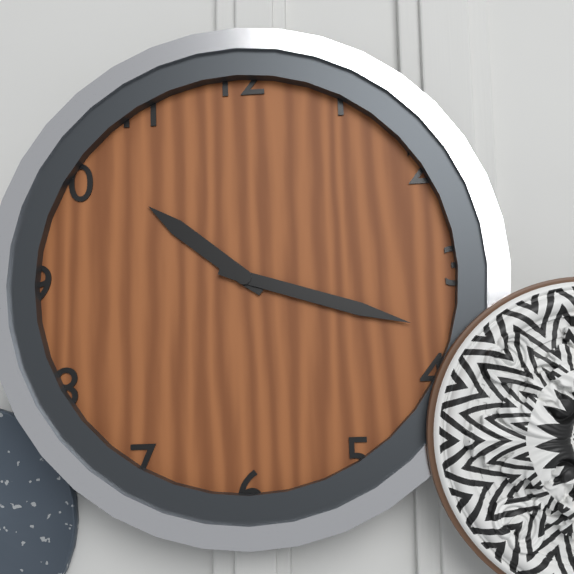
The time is h=10 m=18
